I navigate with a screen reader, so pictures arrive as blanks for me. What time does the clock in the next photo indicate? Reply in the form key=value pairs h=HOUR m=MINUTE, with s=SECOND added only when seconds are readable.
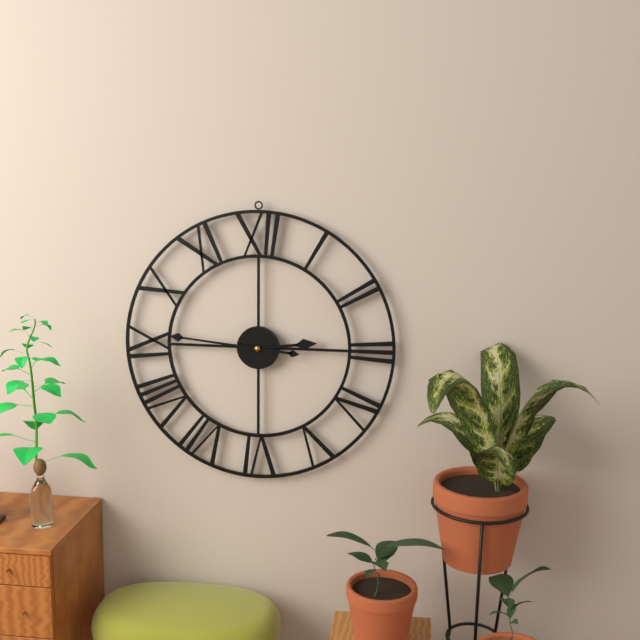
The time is h=2 m=46
